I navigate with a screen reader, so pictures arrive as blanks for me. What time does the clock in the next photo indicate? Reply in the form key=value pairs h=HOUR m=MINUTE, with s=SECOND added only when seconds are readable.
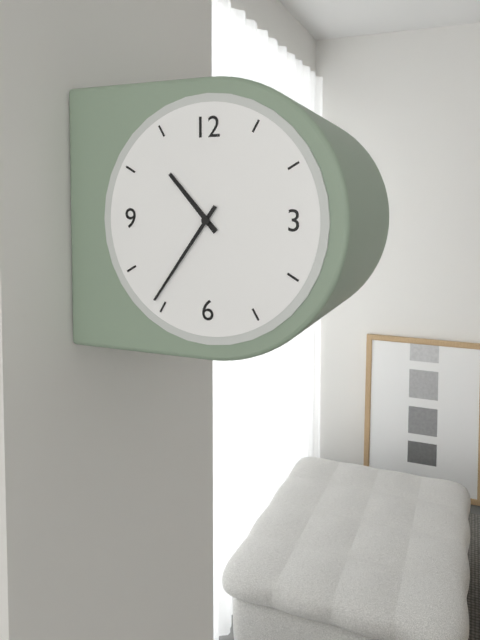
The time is h=10 m=36
